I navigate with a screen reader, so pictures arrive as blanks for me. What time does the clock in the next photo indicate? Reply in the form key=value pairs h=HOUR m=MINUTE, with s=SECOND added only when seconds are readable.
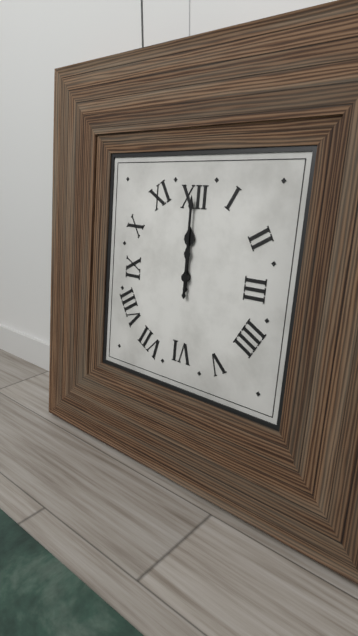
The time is h=12 m=0
